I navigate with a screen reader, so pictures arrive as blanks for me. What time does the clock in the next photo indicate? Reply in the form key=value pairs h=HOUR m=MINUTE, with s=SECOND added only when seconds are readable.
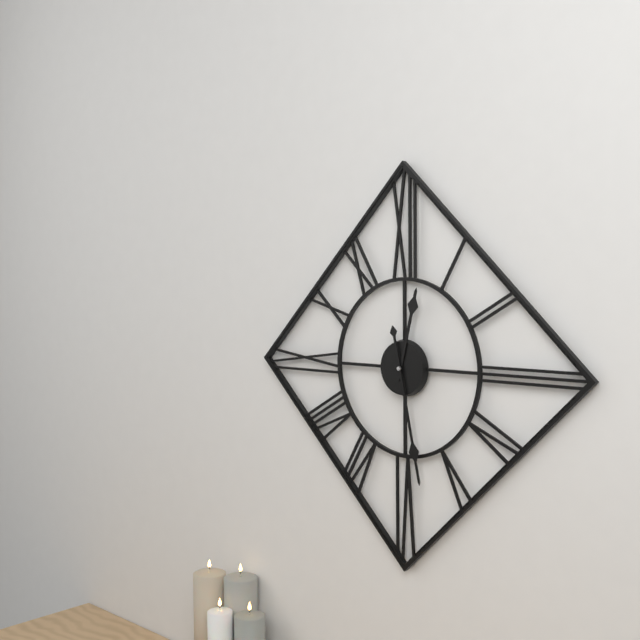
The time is h=12 m=28
